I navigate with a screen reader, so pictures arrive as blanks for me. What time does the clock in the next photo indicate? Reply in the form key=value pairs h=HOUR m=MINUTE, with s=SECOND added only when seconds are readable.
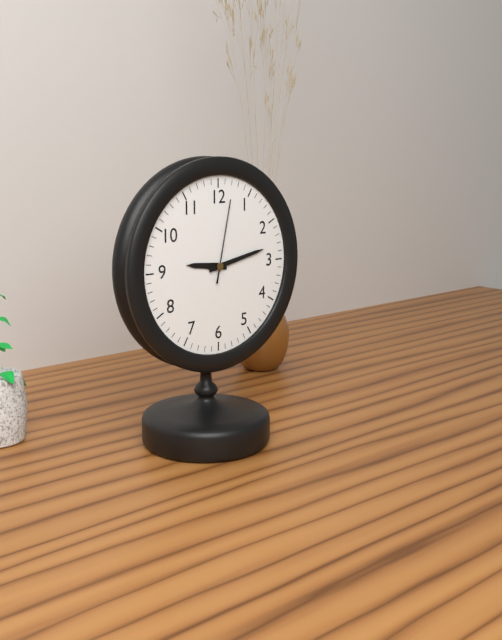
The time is h=9 m=13 s=2
